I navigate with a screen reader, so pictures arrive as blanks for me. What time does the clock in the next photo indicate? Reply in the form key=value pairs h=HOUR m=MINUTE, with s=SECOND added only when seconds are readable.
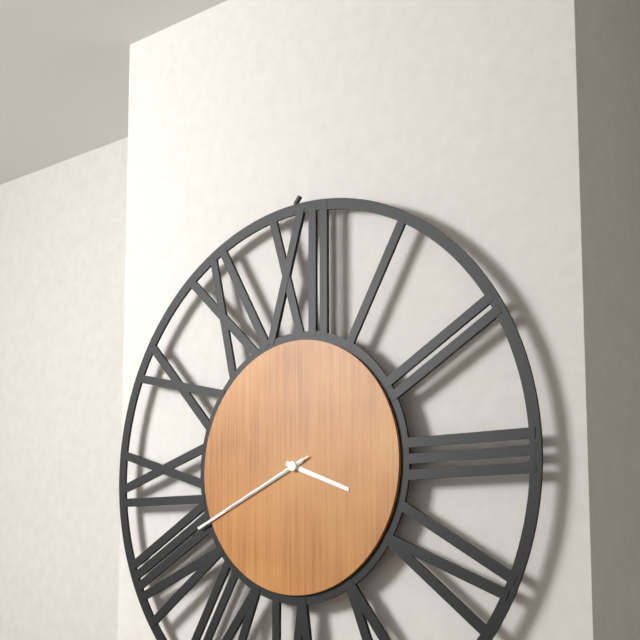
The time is h=3 m=41 s=41
